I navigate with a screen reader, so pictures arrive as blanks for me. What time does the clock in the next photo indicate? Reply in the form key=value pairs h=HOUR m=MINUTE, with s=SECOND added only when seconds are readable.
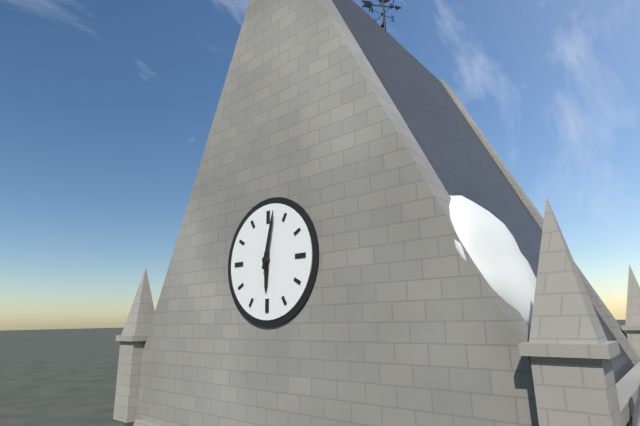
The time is h=6 m=2
